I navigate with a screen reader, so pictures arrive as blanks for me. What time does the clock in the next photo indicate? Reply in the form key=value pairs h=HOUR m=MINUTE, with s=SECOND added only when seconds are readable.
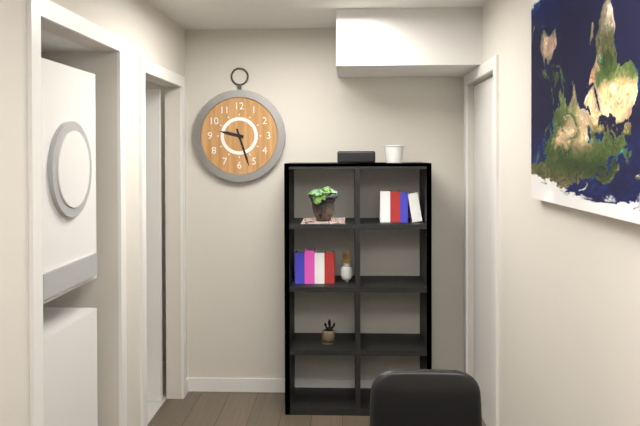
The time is h=9 m=27
